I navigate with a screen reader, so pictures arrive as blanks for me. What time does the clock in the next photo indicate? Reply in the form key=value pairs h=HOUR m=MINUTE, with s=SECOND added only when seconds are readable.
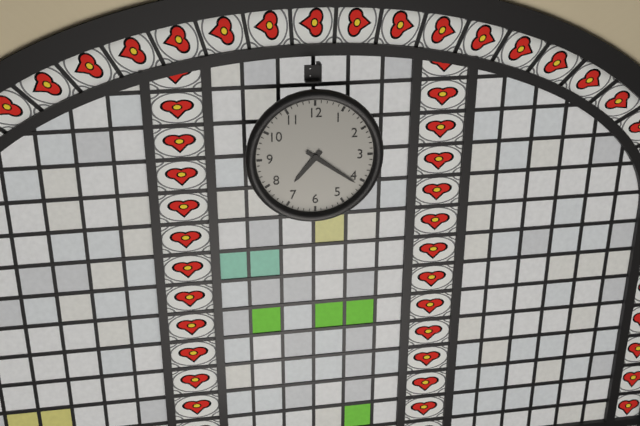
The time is h=7 m=21
